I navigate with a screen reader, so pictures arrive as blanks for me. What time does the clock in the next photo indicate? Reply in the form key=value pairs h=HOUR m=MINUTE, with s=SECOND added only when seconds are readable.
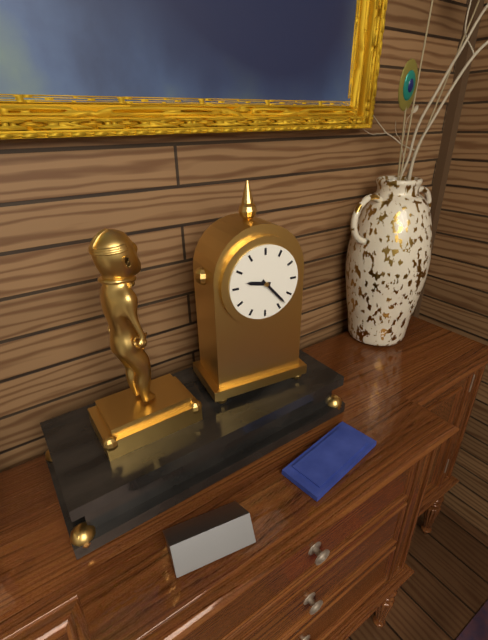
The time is h=9 m=23
